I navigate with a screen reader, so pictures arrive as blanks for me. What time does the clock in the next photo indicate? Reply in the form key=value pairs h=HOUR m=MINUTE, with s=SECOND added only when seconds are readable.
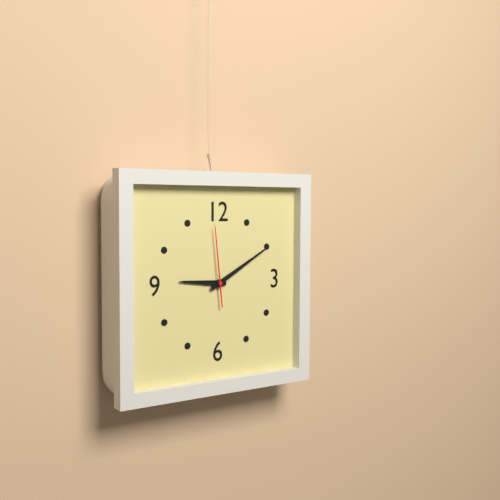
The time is h=9 m=10 s=59
